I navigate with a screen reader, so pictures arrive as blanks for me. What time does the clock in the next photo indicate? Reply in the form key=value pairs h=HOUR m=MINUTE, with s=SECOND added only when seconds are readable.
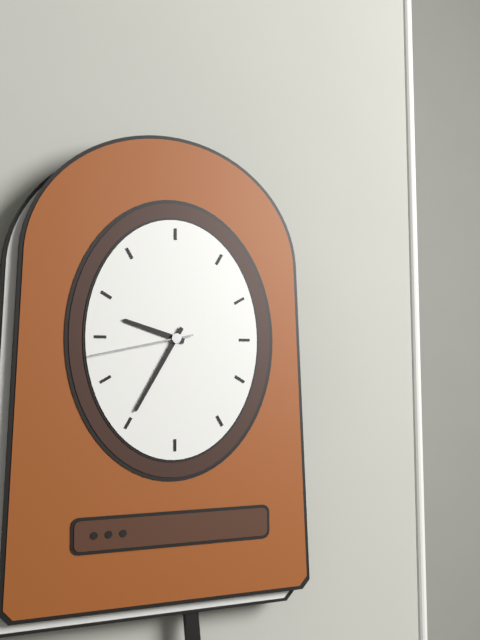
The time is h=9 m=35 s=43
